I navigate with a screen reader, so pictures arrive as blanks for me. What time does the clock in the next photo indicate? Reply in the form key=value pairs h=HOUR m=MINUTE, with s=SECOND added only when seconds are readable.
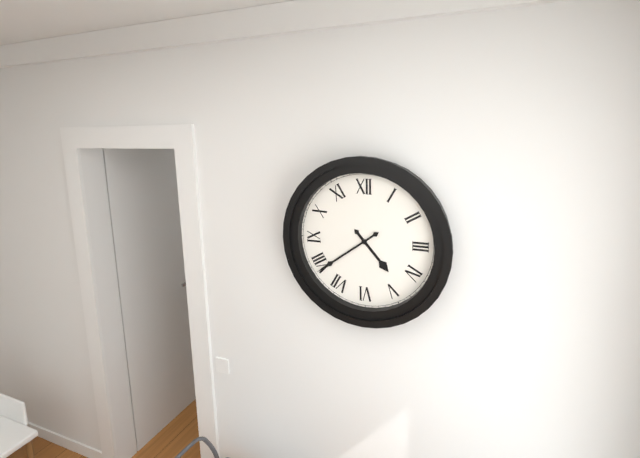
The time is h=4 m=39
